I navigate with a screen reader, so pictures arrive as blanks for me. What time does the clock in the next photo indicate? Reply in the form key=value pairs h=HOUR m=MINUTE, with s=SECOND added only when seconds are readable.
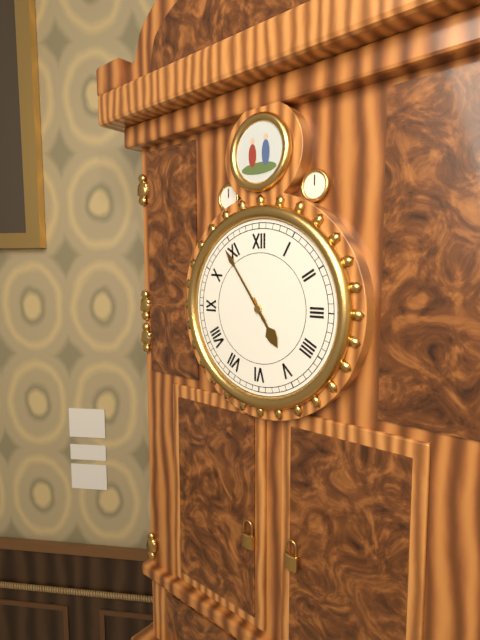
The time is h=4 m=54
